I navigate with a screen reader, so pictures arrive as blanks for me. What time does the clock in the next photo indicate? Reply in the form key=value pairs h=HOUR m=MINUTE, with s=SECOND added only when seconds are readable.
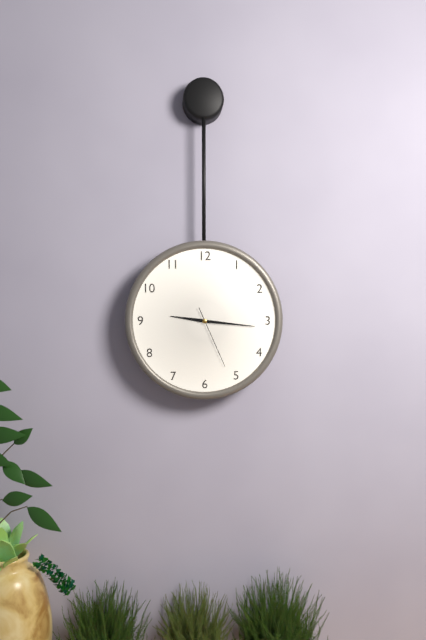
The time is h=9 m=16 s=26
